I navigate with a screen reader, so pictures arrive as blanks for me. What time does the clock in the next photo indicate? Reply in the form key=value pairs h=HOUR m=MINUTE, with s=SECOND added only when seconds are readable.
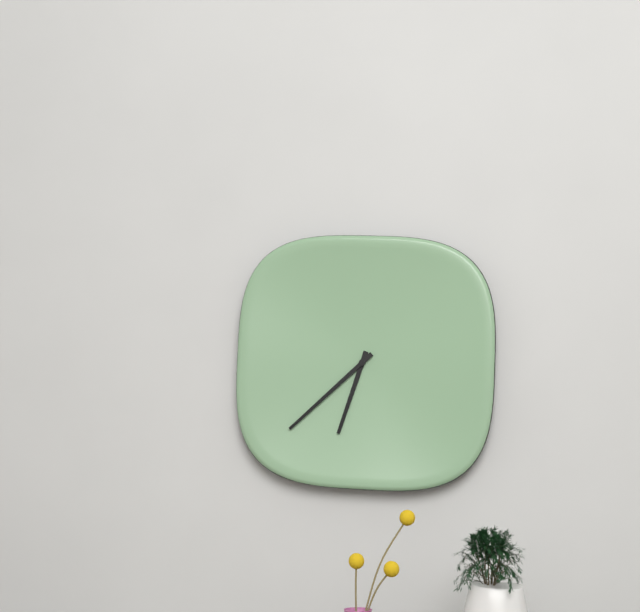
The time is h=6 m=38
